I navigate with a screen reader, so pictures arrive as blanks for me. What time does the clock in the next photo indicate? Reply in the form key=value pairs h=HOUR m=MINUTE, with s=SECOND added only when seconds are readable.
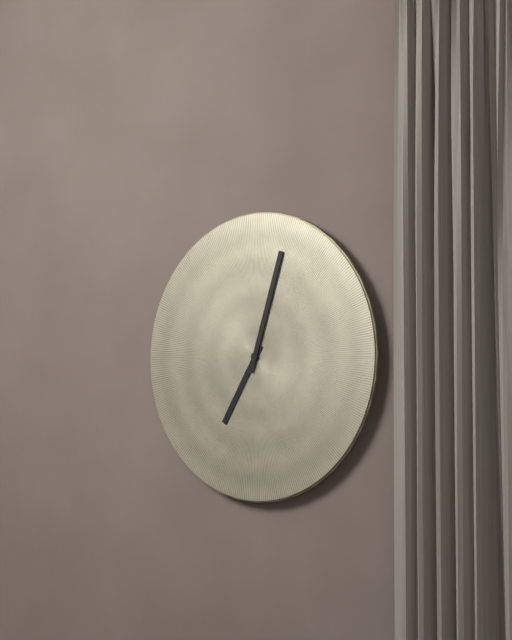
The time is h=7 m=3
